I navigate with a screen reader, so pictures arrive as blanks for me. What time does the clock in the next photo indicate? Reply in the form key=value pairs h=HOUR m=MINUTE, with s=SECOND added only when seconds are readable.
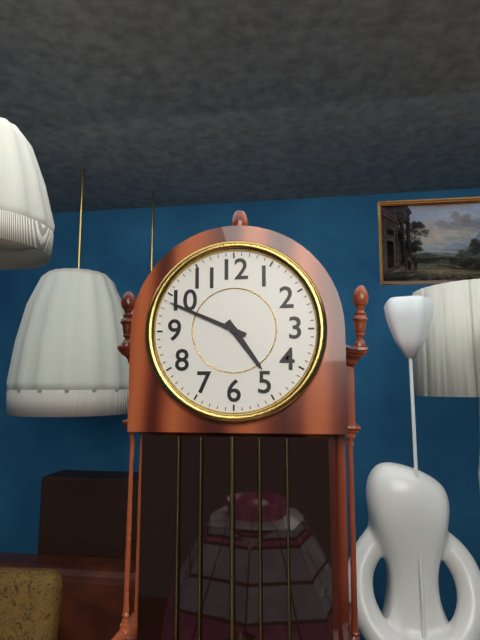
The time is h=4 m=49
